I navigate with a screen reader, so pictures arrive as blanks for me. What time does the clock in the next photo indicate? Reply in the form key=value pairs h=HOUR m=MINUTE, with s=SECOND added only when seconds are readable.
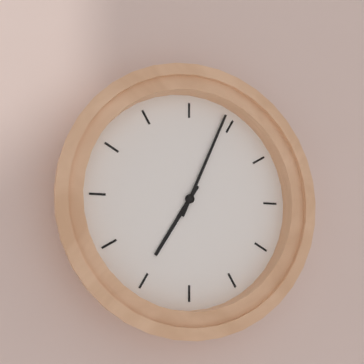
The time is h=7 m=4
